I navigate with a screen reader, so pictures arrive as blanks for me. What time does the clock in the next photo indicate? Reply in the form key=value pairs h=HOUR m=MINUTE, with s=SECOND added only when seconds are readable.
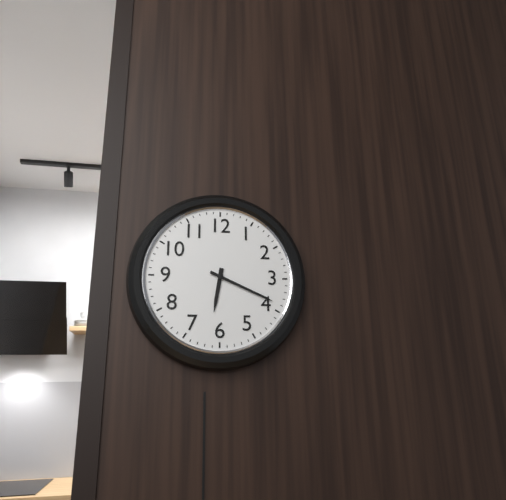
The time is h=6 m=19
